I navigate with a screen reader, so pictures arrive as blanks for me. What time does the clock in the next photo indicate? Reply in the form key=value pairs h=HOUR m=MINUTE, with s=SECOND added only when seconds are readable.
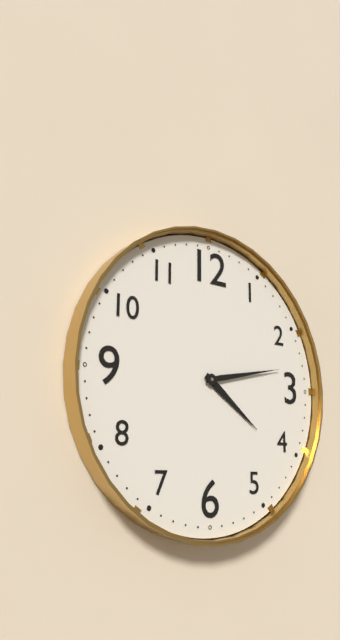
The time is h=4 m=13
